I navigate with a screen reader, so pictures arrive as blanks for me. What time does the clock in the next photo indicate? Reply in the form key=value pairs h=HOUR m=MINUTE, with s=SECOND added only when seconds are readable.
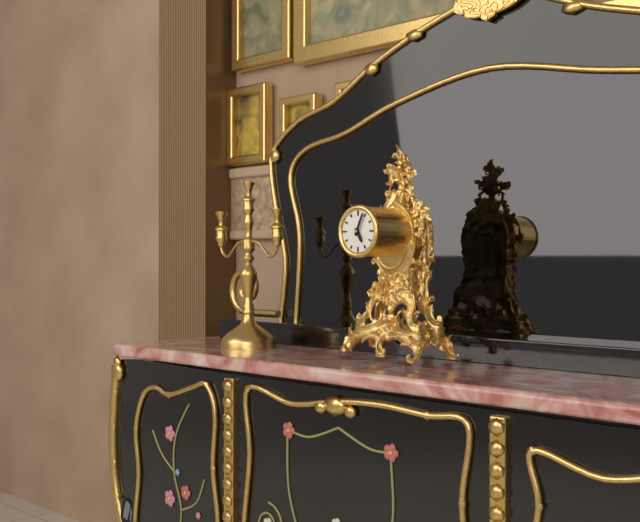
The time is h=5 m=4
